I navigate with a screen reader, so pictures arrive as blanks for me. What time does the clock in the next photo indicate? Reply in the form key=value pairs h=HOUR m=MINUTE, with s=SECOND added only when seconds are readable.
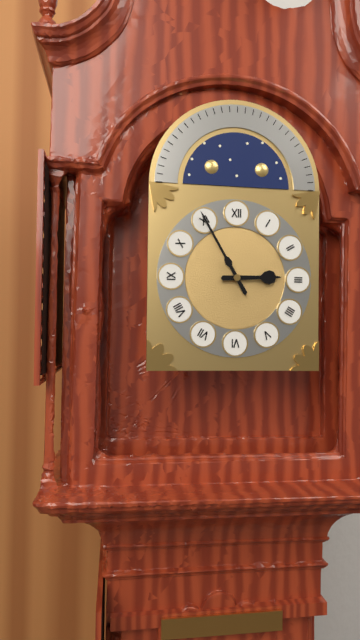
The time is h=2 m=55
